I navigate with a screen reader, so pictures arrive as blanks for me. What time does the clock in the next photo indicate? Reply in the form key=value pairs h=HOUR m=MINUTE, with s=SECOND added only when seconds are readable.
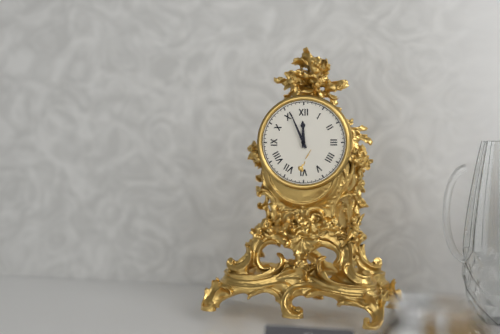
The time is h=11 m=56
